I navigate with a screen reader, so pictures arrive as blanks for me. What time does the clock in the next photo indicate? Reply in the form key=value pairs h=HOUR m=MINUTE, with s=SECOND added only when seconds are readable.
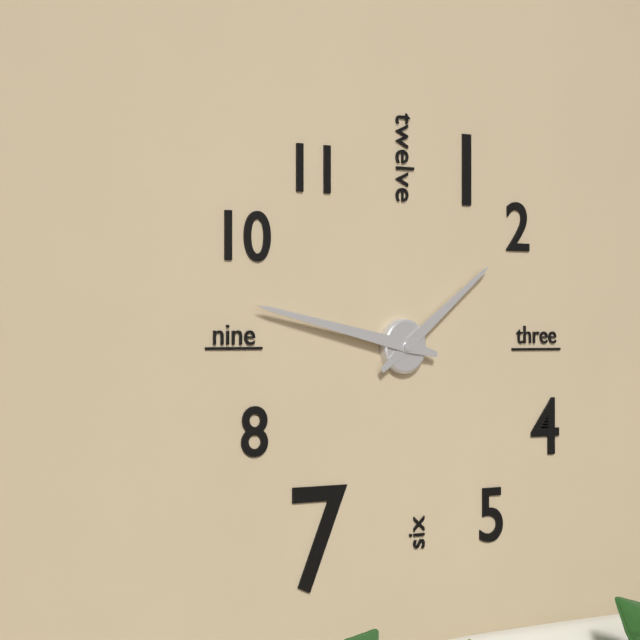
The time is h=1 m=47
